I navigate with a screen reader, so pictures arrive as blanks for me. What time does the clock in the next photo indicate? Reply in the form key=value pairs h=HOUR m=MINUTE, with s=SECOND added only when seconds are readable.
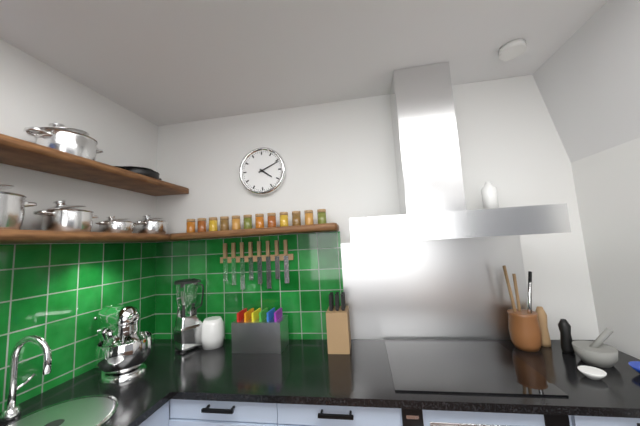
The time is h=4 m=11
